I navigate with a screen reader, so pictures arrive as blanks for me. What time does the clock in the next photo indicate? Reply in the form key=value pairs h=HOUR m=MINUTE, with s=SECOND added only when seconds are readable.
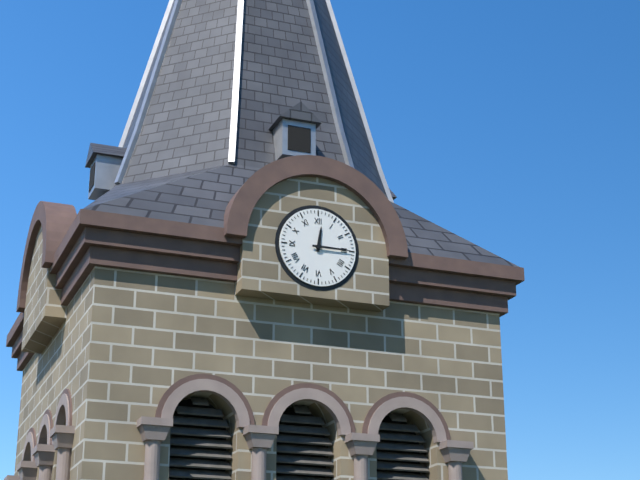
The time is h=12 m=15
